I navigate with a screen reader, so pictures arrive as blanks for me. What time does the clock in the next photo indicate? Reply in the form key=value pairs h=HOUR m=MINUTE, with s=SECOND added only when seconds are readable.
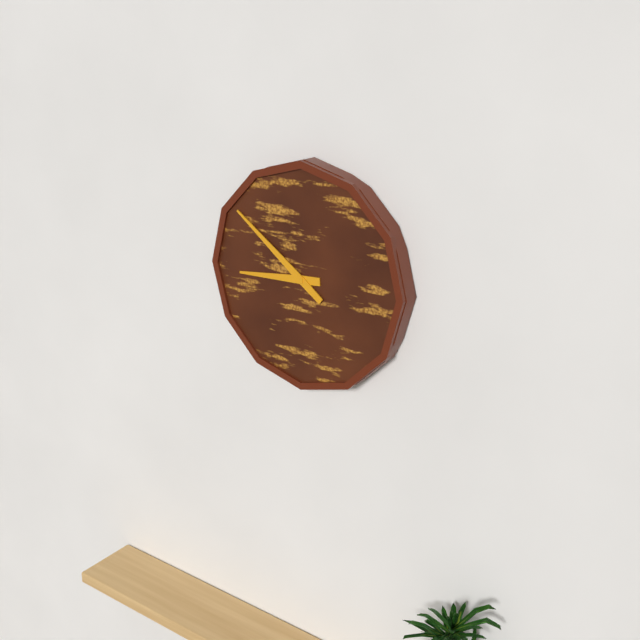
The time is h=8 m=51
